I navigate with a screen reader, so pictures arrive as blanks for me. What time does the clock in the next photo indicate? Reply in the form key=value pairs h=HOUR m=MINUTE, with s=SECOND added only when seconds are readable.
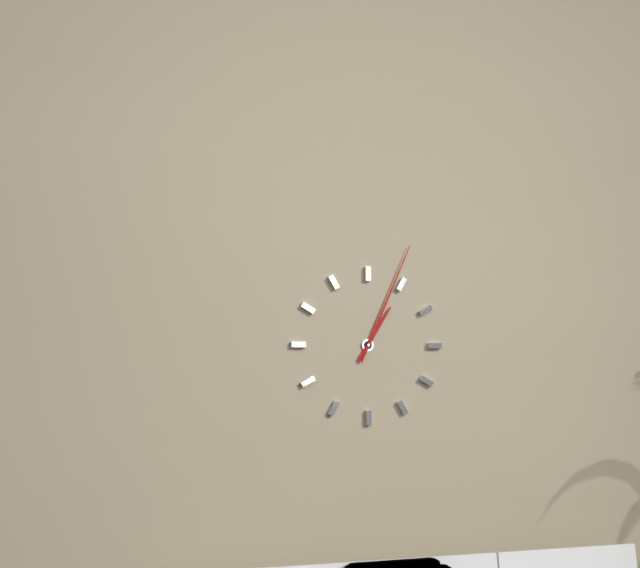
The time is h=1 m=4
